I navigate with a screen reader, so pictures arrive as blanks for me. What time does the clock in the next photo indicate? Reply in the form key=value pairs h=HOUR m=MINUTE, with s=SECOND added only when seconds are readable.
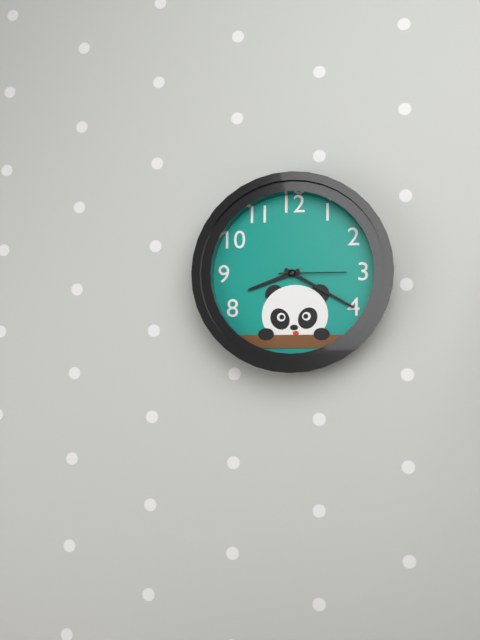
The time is h=8 m=20 s=15
